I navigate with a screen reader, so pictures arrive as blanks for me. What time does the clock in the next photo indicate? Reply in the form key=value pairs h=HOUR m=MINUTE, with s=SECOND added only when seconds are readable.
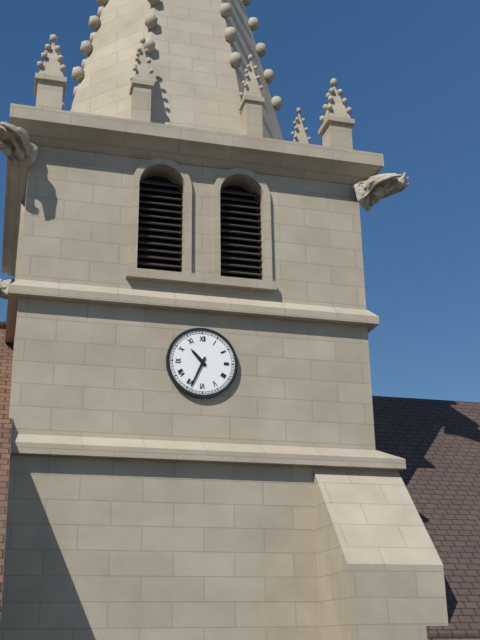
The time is h=10 m=34
